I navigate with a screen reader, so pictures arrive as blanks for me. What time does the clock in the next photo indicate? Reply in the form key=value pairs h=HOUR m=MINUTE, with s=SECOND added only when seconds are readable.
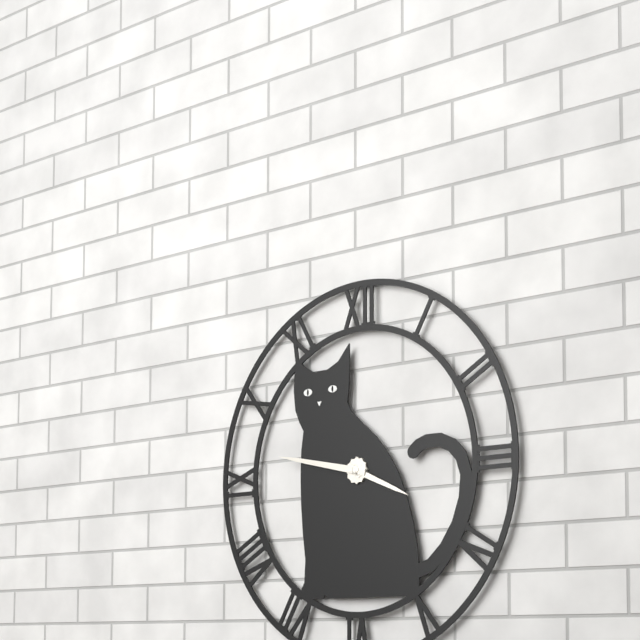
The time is h=3 m=47
